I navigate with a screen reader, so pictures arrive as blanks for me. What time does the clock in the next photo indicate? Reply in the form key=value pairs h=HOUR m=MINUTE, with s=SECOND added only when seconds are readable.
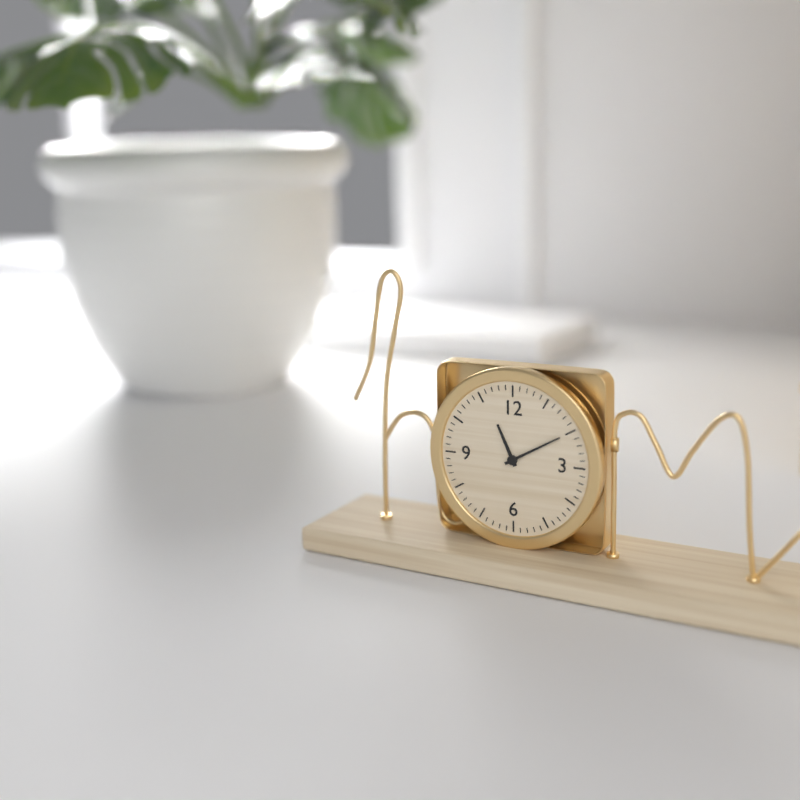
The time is h=11 m=10
